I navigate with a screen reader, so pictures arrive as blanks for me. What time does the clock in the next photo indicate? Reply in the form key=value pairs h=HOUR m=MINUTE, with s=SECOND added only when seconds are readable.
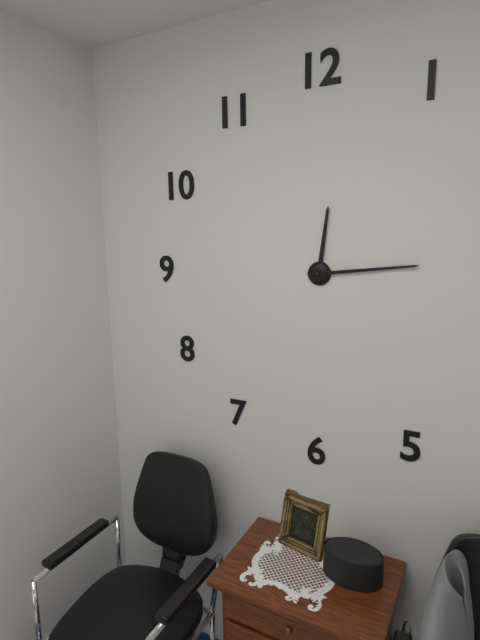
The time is h=12 m=14
